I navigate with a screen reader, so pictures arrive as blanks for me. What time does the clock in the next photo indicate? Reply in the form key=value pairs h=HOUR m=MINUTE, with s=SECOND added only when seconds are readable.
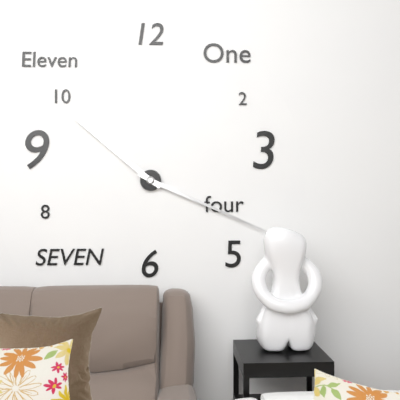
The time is h=10 m=19
